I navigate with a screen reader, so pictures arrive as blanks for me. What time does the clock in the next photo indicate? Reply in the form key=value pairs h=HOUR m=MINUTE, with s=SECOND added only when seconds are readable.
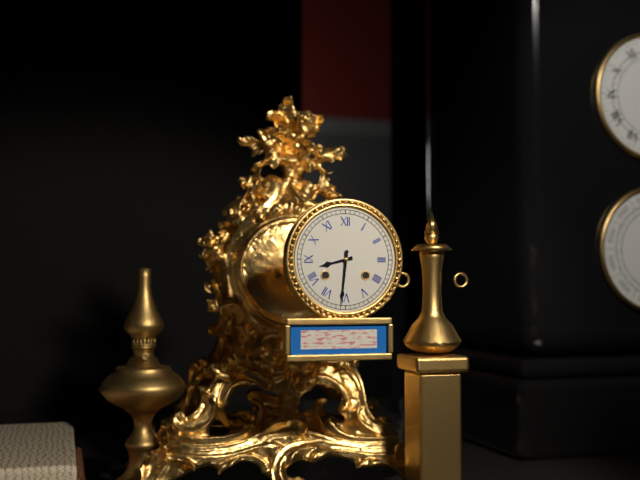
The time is h=8 m=31
